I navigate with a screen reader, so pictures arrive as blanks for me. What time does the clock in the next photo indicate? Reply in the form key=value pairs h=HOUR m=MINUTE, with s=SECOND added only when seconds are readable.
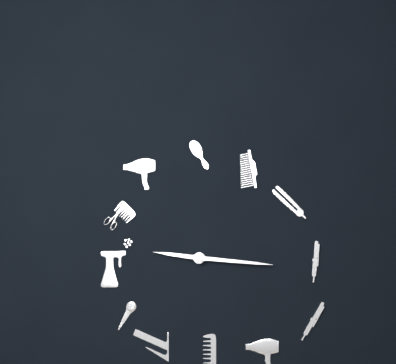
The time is h=9 m=16
